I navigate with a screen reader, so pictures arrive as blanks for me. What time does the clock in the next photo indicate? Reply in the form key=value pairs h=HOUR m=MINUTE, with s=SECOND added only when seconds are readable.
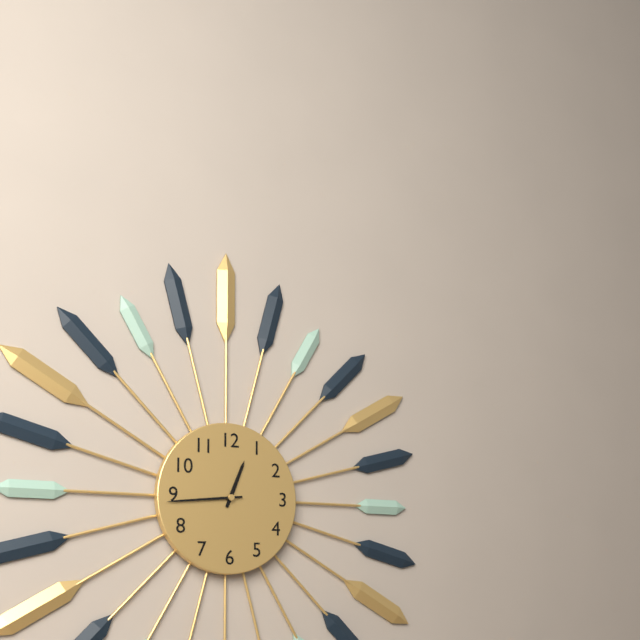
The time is h=12 m=44
